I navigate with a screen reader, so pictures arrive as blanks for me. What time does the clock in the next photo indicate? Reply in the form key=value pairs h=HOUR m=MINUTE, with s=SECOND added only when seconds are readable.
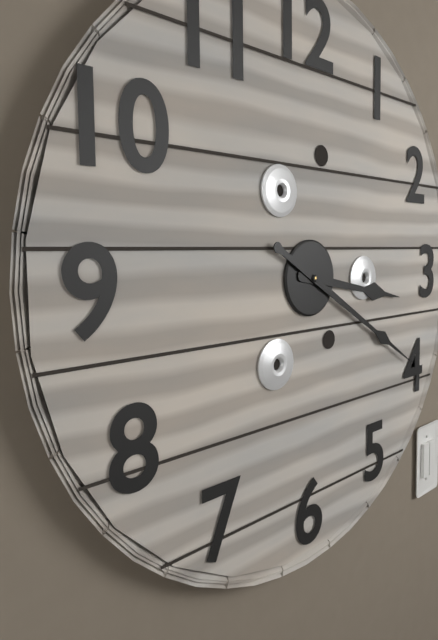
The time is h=3 m=20
